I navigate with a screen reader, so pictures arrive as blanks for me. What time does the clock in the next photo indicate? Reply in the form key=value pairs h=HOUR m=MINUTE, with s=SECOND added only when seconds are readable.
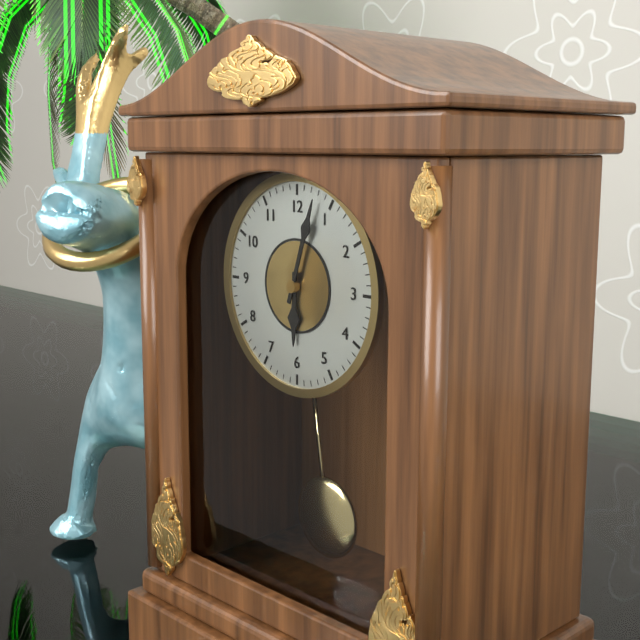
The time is h=6 m=3
